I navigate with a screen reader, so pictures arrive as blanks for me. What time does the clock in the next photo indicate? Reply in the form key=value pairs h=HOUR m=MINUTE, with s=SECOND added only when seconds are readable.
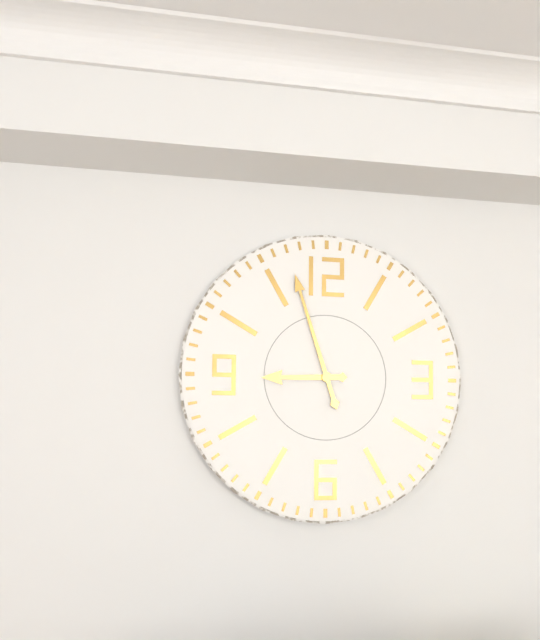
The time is h=8 m=57
